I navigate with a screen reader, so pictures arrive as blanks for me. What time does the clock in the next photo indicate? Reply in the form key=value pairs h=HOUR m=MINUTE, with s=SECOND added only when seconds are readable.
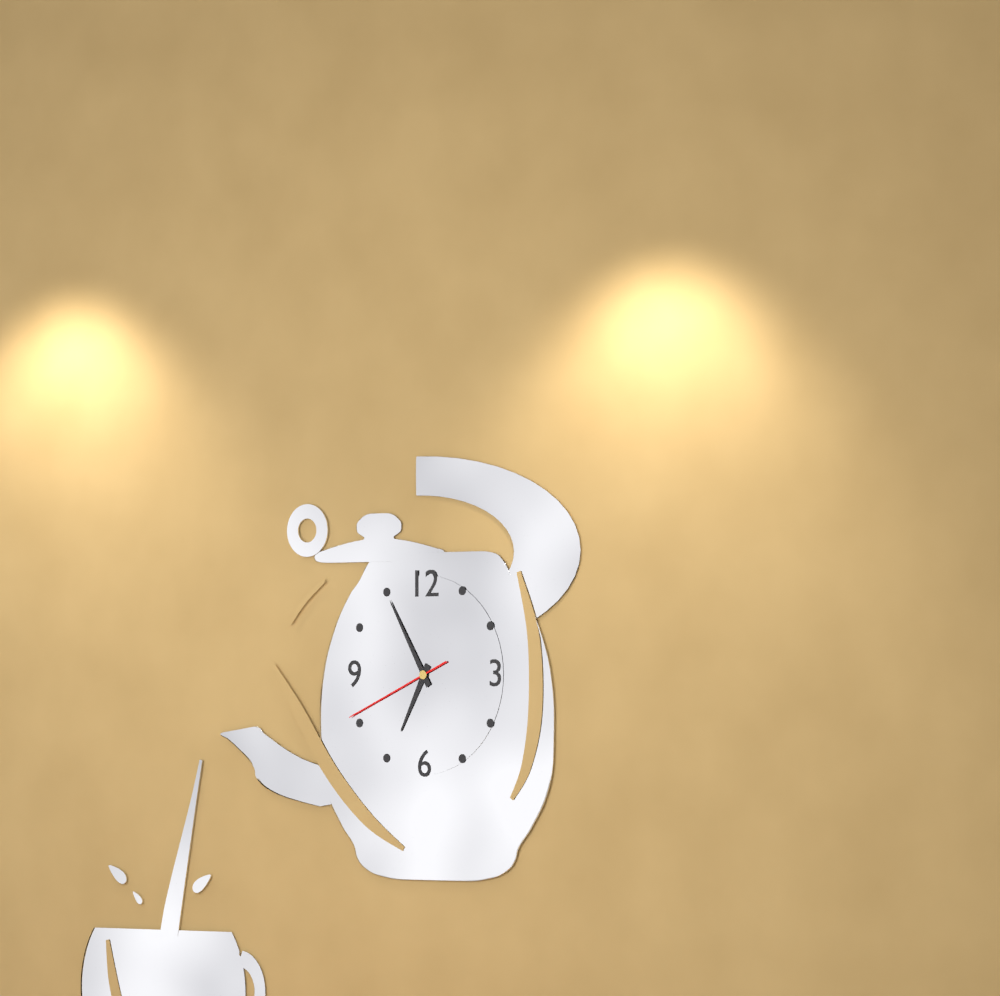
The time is h=6 m=55 s=41
